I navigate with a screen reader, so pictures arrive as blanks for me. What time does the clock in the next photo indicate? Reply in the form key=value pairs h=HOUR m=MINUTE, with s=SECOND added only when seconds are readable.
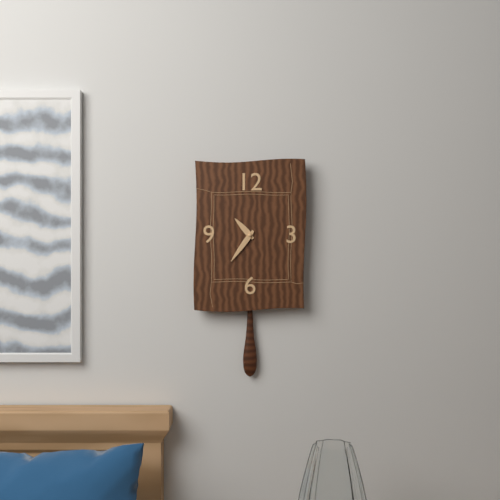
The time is h=10 m=36
